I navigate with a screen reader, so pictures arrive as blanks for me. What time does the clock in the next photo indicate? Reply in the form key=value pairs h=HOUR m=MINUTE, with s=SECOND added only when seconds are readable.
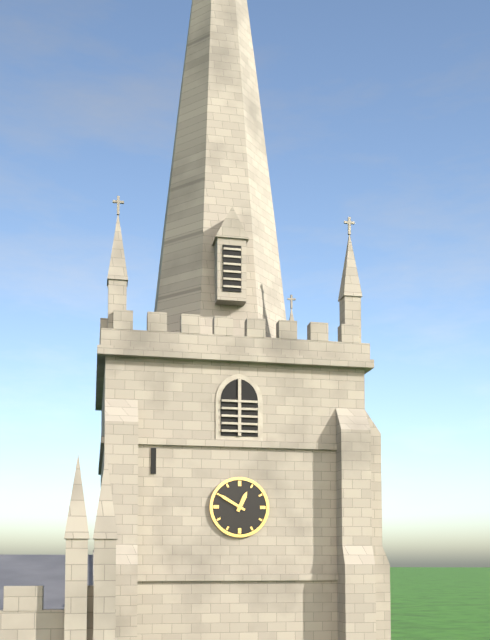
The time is h=12 m=50
